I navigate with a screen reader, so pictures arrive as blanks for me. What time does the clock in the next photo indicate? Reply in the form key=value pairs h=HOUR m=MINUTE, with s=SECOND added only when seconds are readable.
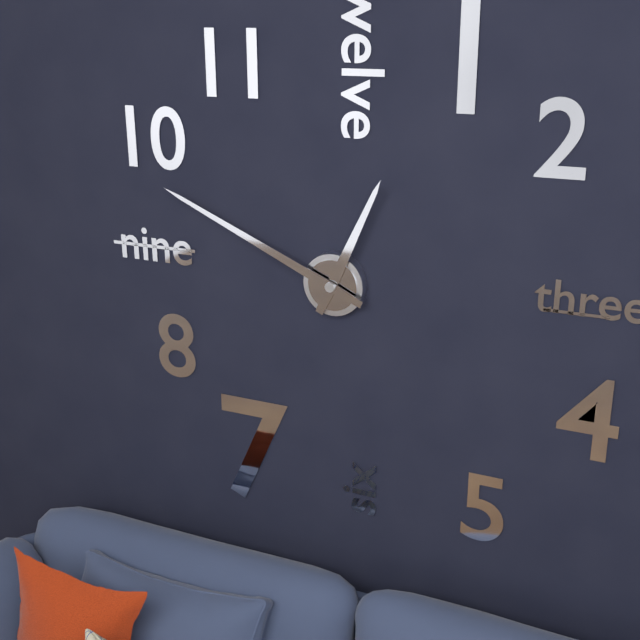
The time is h=12 m=49
